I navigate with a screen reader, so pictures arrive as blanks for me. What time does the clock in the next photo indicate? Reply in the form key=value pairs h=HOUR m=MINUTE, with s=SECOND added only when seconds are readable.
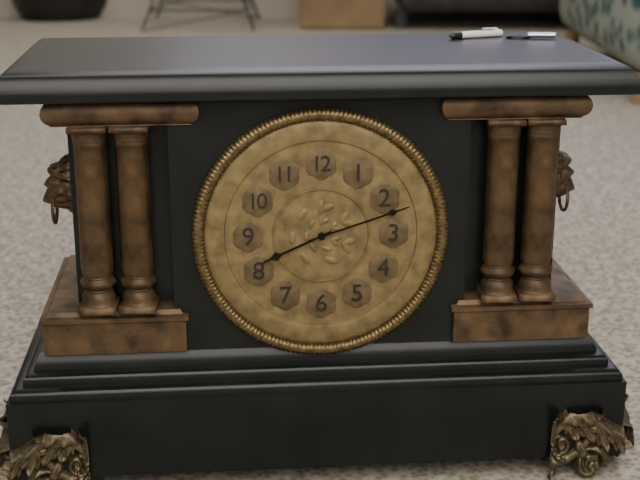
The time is h=8 m=12
